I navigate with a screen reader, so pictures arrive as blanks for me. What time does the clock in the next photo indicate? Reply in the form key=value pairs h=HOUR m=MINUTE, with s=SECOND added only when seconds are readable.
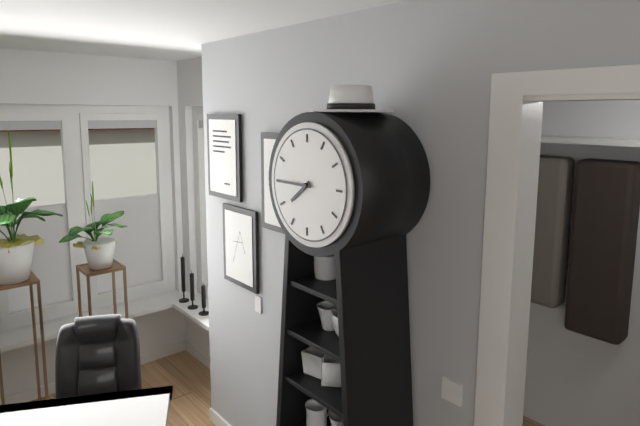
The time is h=7 m=45
